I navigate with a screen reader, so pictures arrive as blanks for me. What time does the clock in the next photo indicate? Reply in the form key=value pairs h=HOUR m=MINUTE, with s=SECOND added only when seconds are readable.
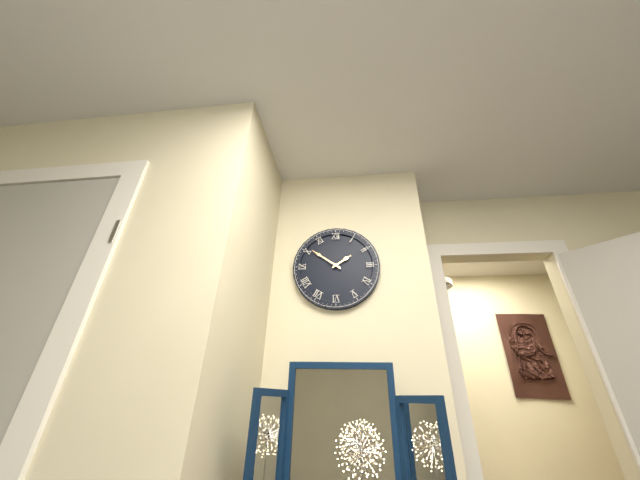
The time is h=1 m=51
